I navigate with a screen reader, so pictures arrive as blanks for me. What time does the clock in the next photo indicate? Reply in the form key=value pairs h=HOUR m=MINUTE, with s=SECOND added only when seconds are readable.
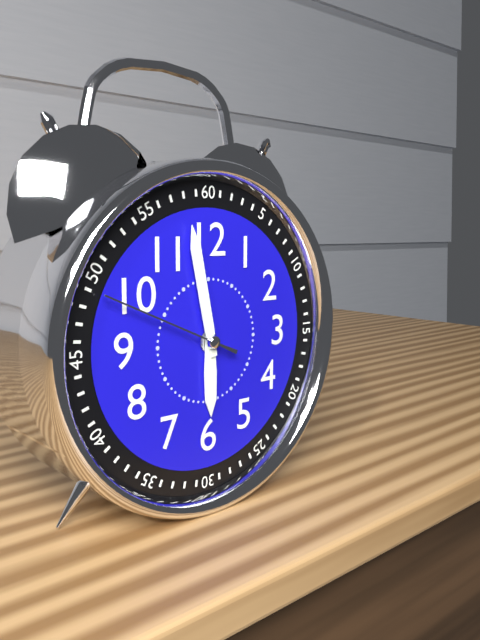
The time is h=5 m=58 s=49
